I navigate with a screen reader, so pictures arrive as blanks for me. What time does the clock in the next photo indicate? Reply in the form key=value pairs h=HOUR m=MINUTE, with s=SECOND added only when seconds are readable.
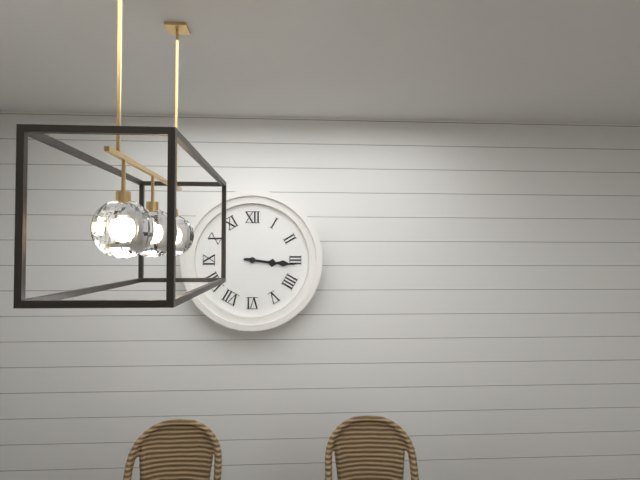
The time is h=3 m=16
